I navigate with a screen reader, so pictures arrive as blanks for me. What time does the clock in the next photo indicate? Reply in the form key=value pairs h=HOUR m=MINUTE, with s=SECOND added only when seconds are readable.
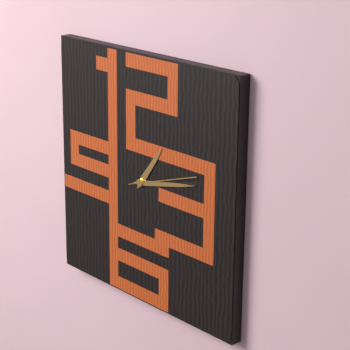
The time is h=1 m=13 s=12
